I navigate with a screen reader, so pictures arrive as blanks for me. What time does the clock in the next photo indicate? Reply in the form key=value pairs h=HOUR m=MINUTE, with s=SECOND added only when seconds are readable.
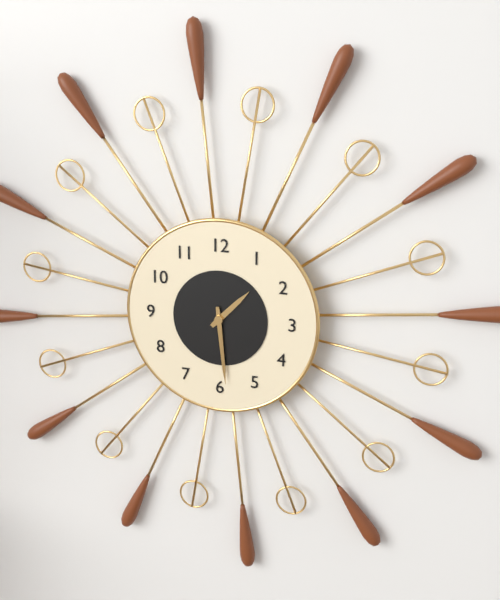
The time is h=1 m=29
